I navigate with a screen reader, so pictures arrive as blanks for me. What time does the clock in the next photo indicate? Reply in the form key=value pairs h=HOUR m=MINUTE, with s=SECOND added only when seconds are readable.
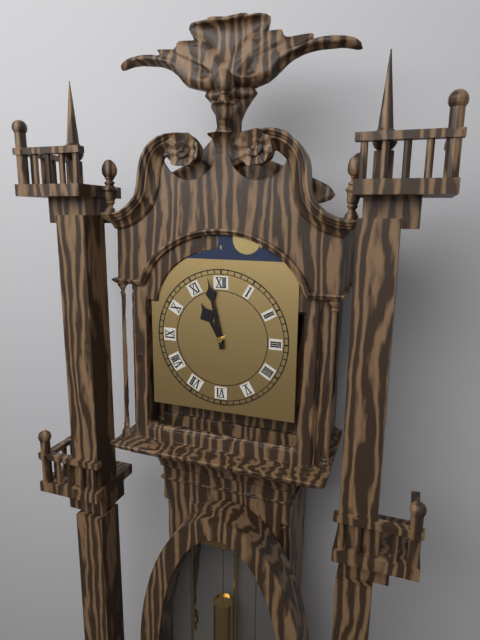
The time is h=10 m=58
